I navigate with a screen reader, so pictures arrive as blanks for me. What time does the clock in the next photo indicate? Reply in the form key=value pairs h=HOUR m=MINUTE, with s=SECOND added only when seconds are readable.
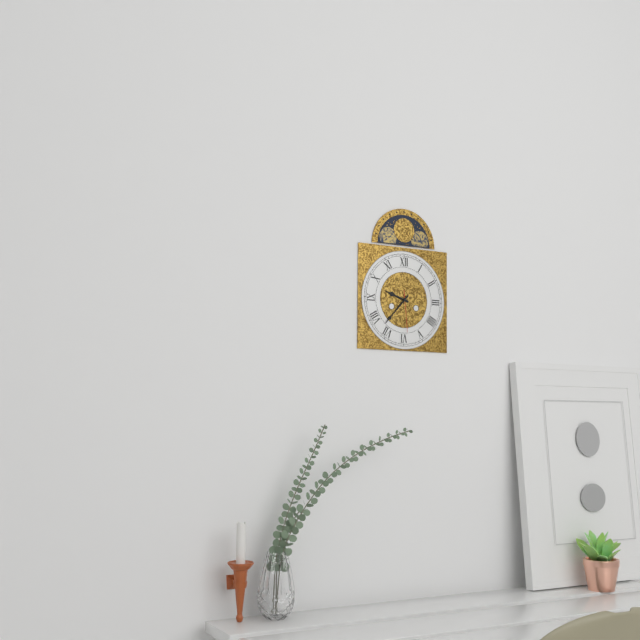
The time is h=9 m=37
